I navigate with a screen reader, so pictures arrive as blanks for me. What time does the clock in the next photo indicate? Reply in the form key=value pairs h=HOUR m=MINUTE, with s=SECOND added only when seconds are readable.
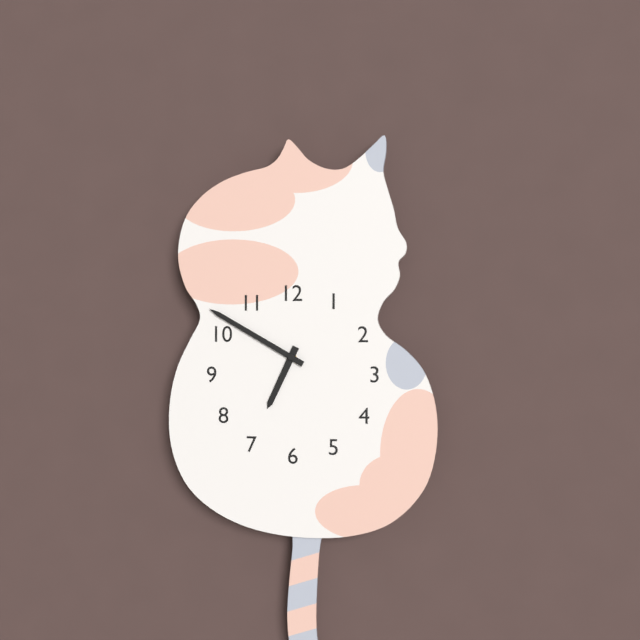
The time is h=6 m=50
